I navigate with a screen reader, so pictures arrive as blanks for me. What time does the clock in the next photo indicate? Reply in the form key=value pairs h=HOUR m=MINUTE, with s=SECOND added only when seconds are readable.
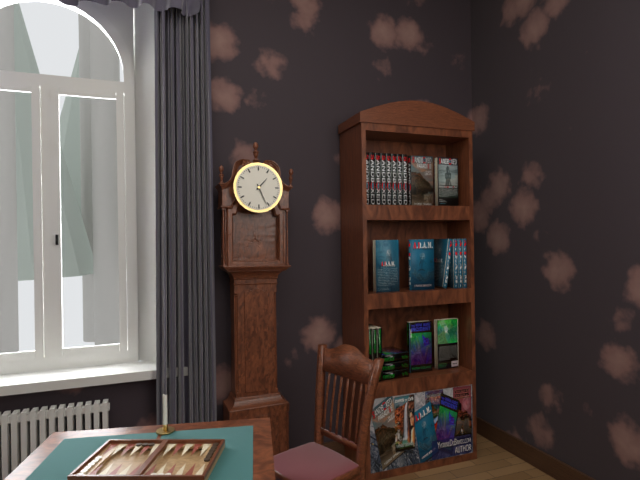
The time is h=1 m=26
